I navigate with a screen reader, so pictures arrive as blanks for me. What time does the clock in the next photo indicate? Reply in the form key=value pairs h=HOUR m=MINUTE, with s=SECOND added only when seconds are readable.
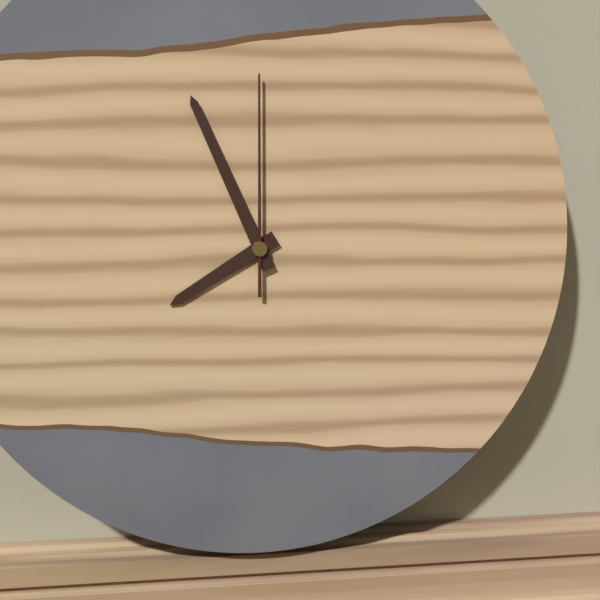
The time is h=7 m=56 s=0
